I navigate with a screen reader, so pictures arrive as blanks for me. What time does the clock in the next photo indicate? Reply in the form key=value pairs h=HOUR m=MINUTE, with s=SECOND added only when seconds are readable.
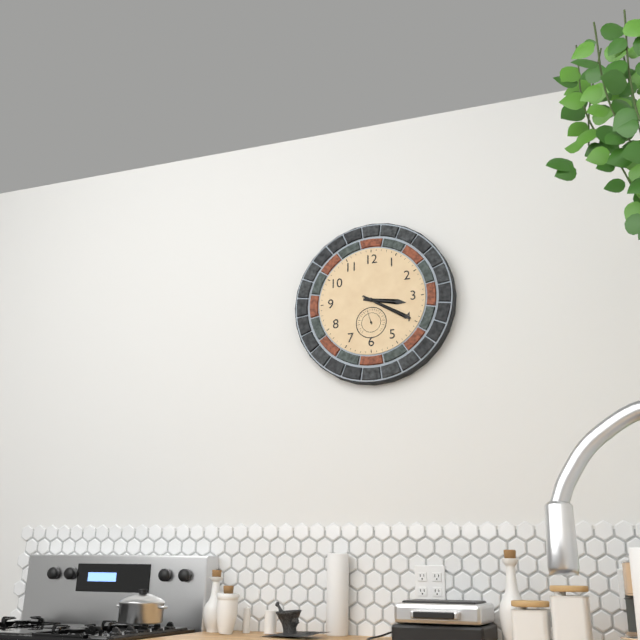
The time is h=3 m=20
